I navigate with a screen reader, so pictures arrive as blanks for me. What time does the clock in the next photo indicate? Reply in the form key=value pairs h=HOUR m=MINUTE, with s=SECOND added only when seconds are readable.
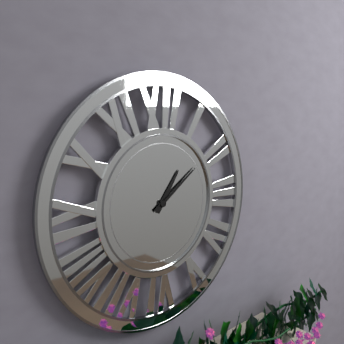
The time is h=1 m=9
